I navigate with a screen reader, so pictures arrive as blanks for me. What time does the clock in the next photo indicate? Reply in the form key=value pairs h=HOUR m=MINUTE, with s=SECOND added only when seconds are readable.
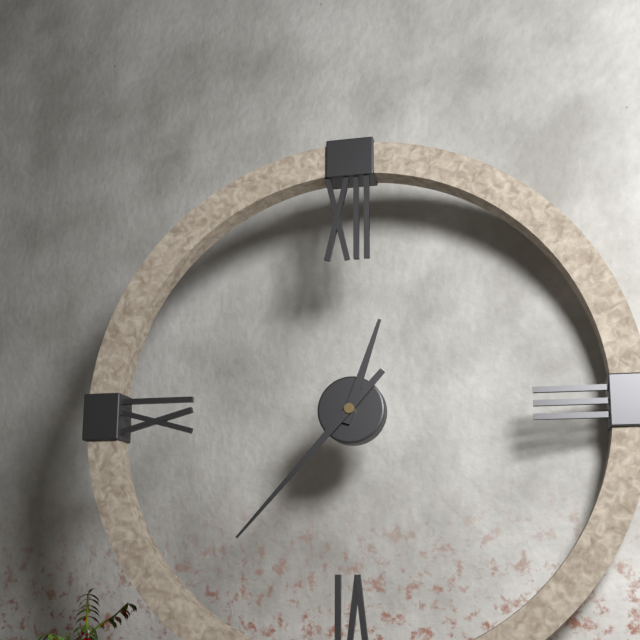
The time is h=12 m=37
